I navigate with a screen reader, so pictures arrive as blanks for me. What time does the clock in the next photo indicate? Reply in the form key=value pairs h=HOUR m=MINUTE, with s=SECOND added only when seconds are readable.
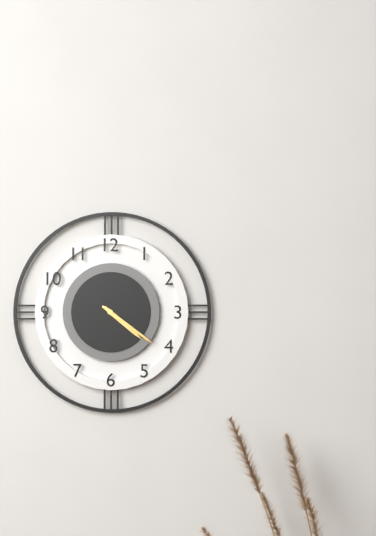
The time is h=4 m=21
